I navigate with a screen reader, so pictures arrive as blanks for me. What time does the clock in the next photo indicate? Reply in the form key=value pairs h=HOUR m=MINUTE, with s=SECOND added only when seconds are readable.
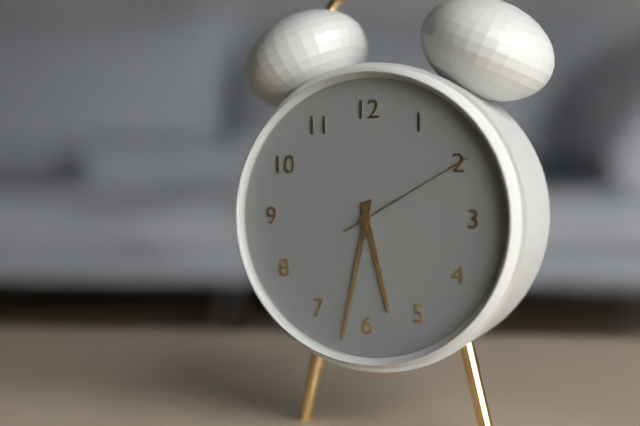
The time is h=5 m=32 s=10
